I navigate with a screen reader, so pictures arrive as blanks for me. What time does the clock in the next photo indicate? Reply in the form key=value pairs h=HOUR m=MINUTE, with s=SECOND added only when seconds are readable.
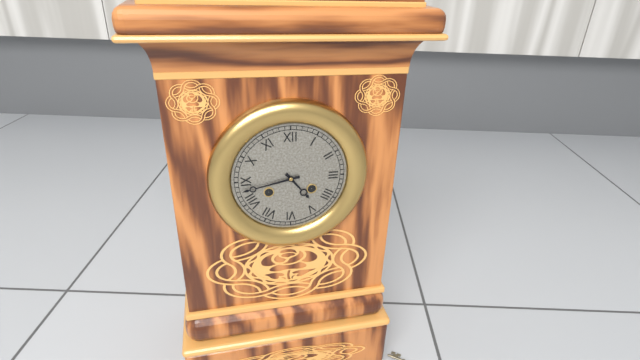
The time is h=4 m=43
